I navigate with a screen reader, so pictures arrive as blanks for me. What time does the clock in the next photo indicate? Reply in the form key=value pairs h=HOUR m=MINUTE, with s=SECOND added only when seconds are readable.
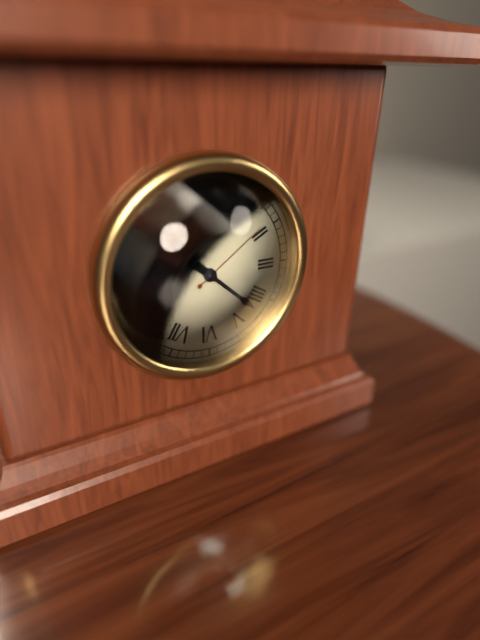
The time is h=10 m=22 s=9
